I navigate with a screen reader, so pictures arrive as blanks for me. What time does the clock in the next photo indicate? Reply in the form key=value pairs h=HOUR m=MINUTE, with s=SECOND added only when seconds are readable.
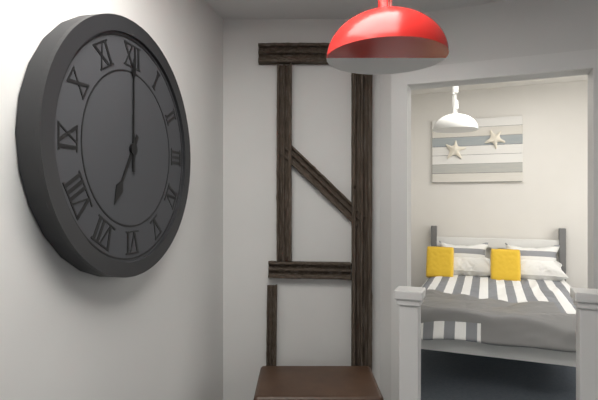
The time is h=7 m=0
